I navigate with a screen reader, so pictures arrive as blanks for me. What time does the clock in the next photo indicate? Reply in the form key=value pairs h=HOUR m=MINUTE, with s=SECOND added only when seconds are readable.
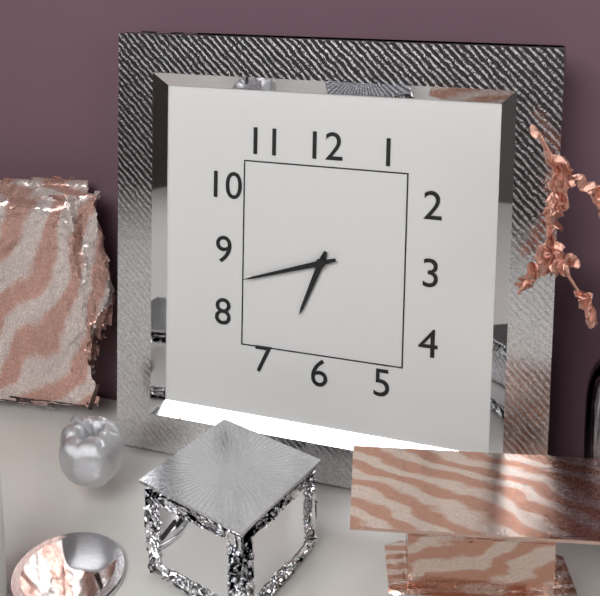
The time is h=6 m=42
